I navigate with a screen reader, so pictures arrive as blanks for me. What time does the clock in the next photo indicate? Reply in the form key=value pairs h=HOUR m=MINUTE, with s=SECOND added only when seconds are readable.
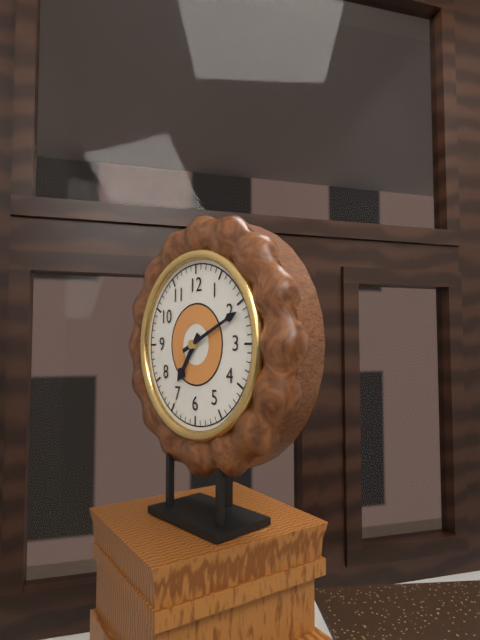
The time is h=7 m=11
